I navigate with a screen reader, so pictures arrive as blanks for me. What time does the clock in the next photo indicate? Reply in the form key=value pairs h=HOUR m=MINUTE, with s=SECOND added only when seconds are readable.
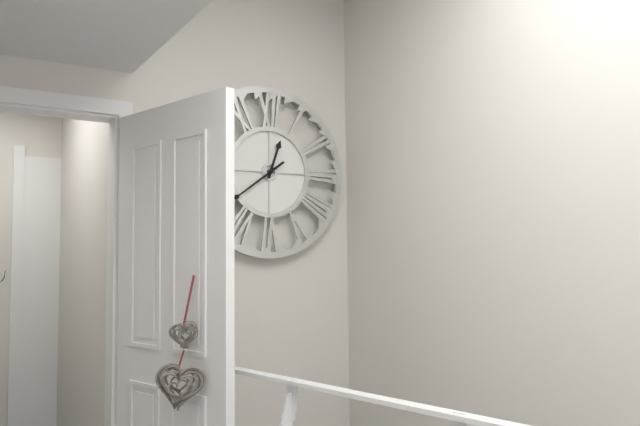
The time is h=12 m=39
